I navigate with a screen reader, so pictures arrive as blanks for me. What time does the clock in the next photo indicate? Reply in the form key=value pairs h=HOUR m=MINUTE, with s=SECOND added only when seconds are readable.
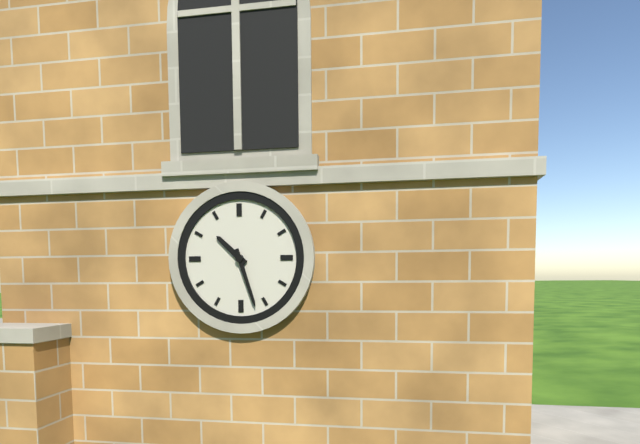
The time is h=10 m=27
